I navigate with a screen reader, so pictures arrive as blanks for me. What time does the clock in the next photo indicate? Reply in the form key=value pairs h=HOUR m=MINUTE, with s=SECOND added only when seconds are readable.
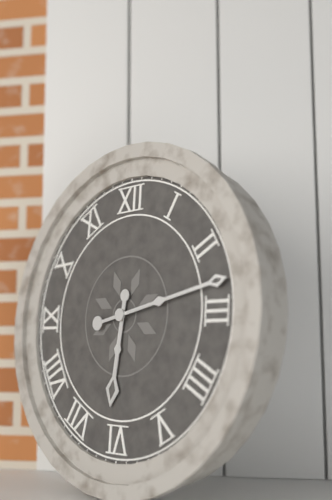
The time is h=6 m=13
